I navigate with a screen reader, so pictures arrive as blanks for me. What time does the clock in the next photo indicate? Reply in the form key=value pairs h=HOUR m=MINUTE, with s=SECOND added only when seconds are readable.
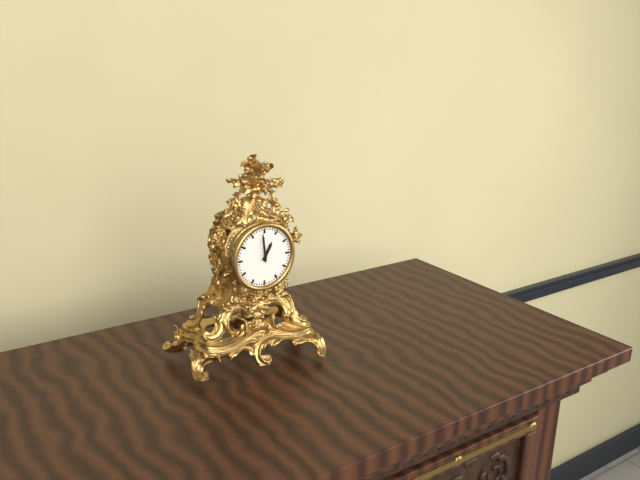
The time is h=12 m=59
